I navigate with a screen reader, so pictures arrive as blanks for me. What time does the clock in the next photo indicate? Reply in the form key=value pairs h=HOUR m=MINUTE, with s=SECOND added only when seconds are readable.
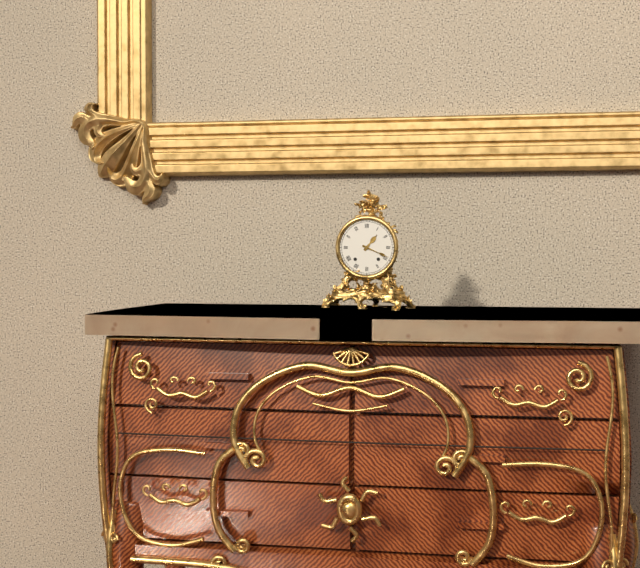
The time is h=1 m=19
